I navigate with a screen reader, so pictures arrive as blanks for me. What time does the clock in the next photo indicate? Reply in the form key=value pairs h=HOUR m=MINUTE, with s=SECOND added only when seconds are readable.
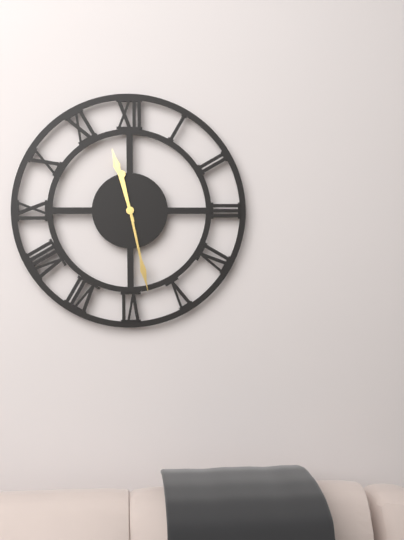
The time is h=11 m=28
